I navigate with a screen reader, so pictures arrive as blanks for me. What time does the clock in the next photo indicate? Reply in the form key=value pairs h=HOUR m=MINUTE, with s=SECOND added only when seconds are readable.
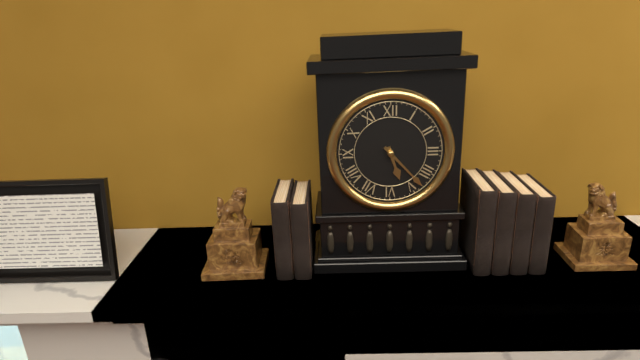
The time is h=5 m=23
